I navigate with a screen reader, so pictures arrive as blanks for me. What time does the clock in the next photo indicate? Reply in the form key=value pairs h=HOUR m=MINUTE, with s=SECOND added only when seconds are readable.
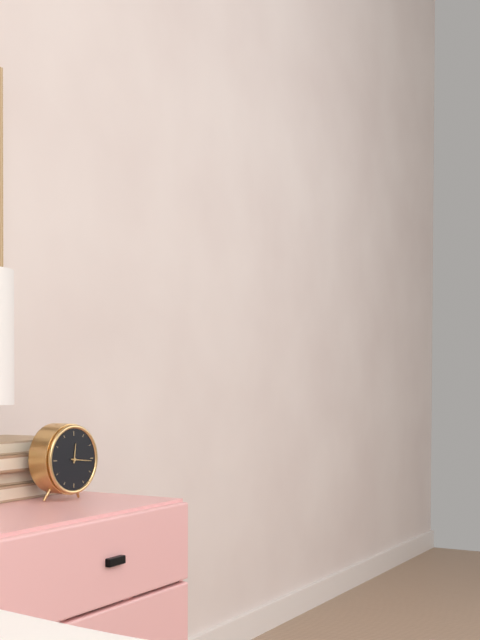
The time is h=12 m=16
